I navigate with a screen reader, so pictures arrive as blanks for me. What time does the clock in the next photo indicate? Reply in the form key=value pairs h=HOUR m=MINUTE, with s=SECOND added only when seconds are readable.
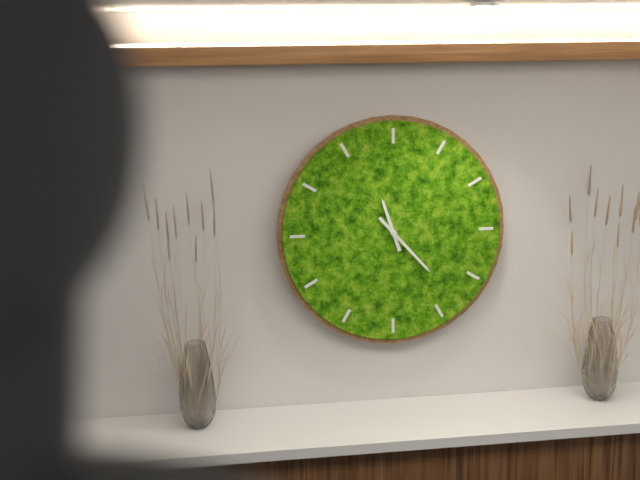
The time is h=11 m=23
